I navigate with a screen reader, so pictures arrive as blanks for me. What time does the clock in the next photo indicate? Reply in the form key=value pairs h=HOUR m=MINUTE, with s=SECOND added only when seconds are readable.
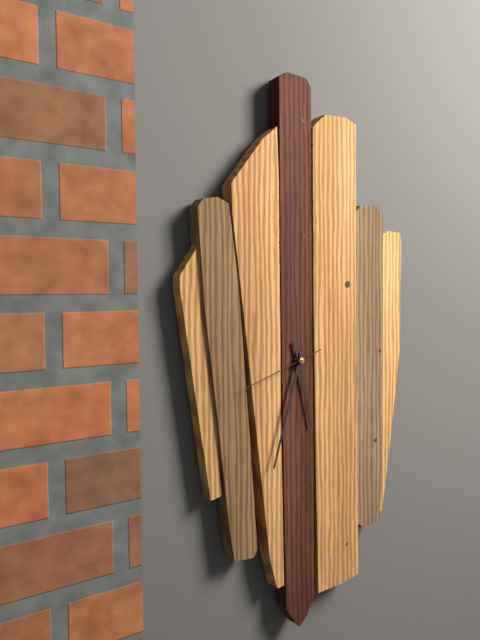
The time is h=5 m=33 s=42
